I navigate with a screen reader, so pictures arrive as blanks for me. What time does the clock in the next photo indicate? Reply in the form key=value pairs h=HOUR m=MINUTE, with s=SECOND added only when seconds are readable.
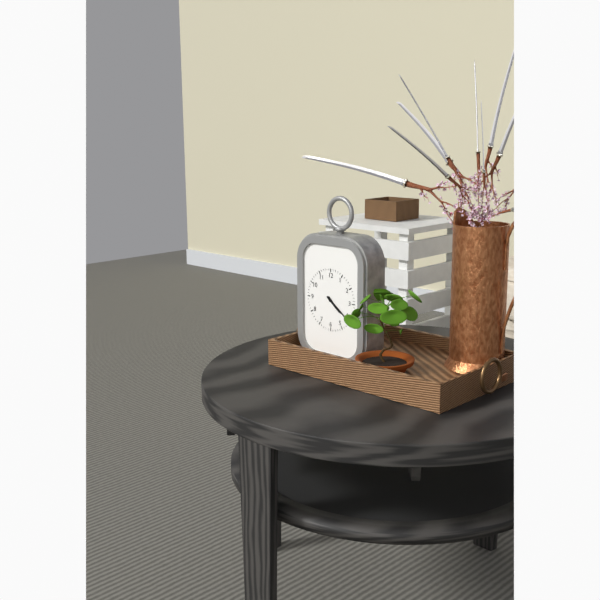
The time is h=4 m=21
